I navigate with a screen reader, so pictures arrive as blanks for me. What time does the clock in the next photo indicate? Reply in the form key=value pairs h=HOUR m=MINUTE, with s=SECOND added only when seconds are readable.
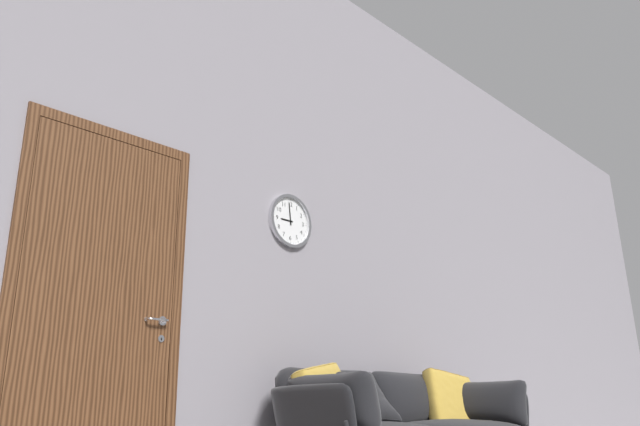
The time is h=8 m=59
